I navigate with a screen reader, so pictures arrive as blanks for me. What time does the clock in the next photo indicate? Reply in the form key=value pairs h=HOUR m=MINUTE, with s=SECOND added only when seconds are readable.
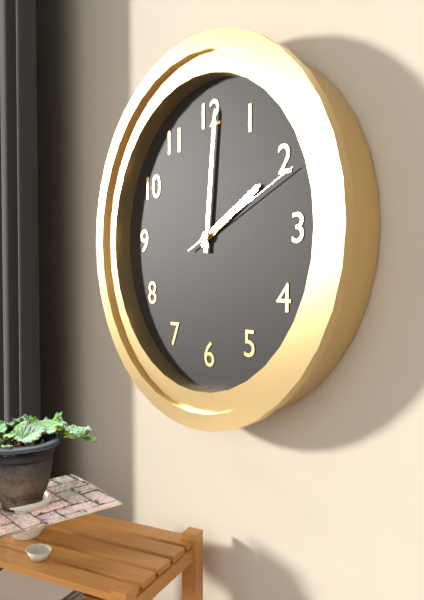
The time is h=2 m=1 s=11
